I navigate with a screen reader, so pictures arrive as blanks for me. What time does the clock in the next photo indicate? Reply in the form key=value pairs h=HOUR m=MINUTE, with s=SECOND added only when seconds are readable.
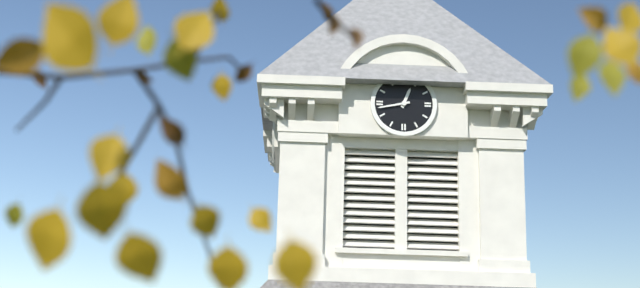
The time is h=12 m=43
